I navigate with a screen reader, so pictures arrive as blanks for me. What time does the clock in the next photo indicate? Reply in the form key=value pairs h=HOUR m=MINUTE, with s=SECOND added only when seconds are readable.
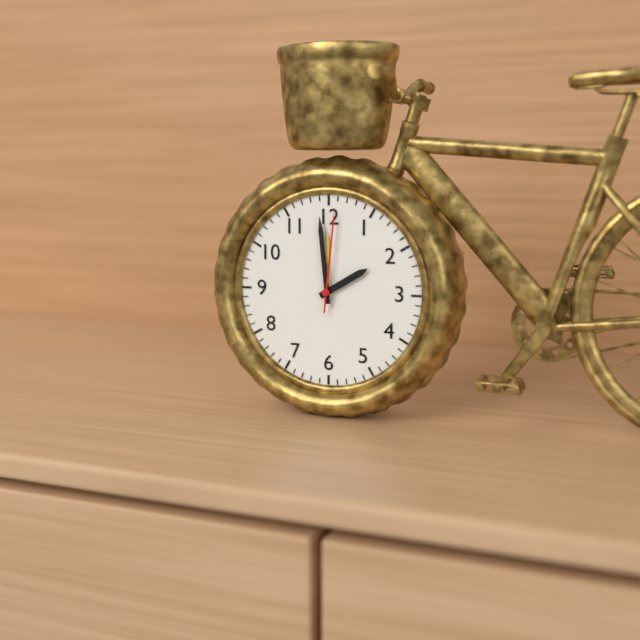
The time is h=1 m=59 s=1
